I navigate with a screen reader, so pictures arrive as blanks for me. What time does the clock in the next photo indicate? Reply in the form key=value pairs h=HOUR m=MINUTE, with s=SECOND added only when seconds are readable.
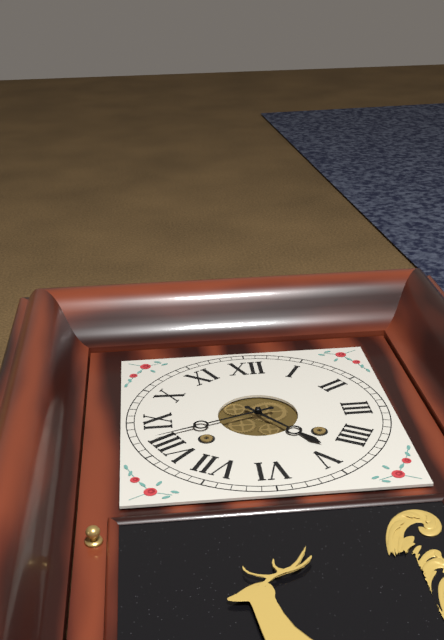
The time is h=4 m=42
